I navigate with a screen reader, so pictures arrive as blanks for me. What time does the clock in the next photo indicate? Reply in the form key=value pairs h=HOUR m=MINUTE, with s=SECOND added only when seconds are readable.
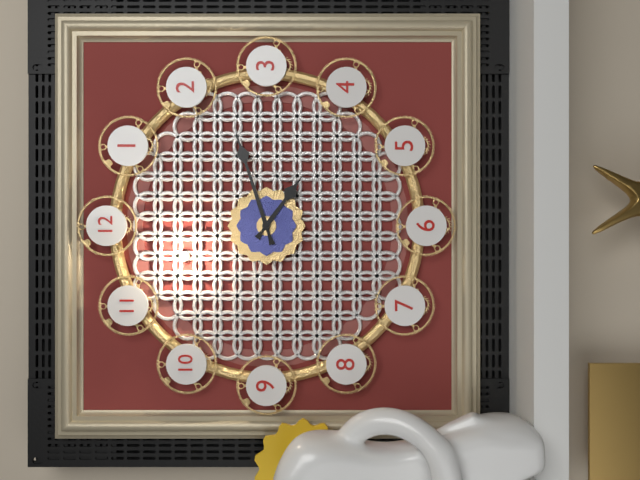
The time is h=4 m=12
